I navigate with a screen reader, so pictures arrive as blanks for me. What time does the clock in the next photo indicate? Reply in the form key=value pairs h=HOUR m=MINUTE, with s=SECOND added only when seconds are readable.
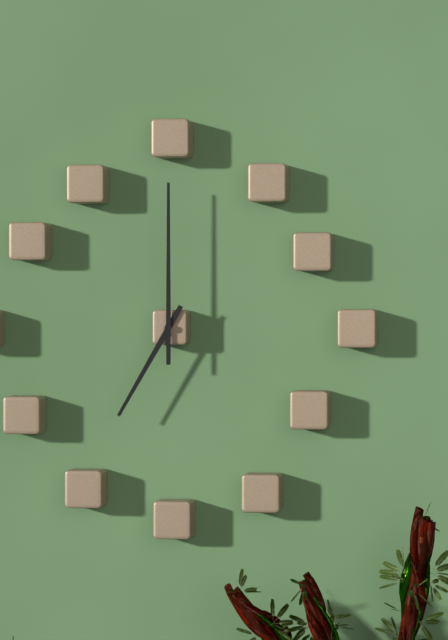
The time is h=7 m=0
